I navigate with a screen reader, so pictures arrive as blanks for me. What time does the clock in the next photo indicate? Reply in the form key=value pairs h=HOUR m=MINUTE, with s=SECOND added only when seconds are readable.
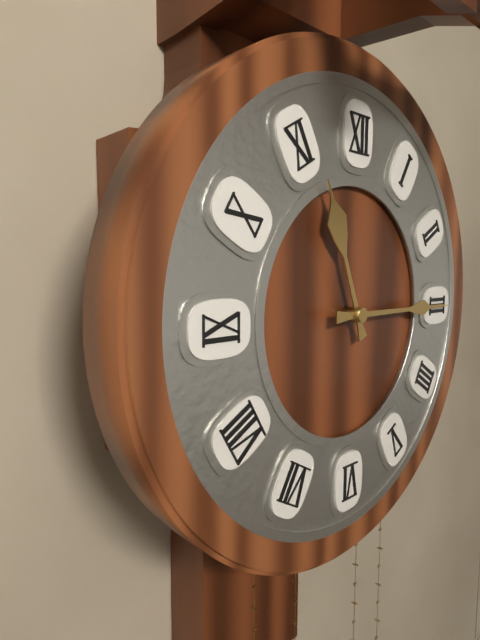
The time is h=11 m=15
